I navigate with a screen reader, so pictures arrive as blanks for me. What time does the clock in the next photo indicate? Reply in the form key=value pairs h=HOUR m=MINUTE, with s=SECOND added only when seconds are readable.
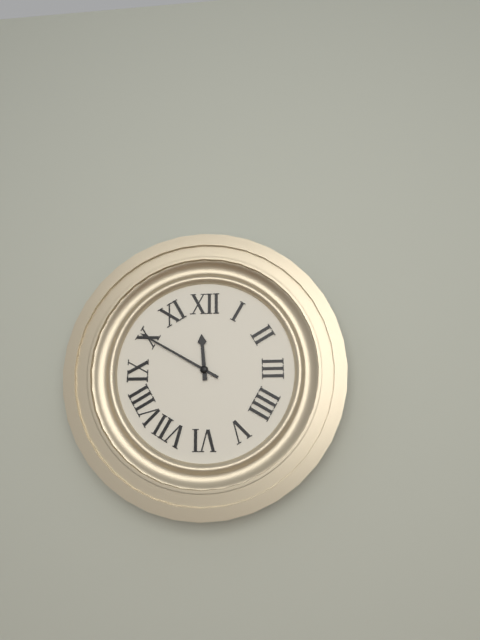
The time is h=11 m=50
